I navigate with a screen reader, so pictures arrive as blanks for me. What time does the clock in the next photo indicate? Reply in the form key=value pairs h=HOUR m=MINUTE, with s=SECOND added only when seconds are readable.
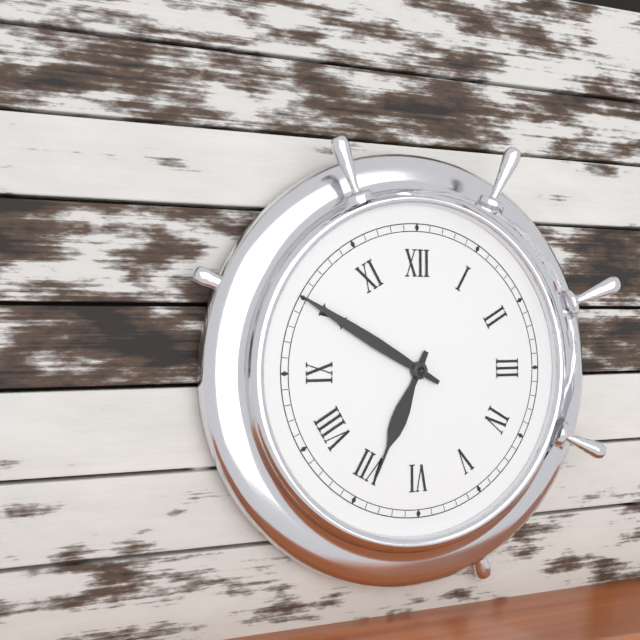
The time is h=6 m=50
